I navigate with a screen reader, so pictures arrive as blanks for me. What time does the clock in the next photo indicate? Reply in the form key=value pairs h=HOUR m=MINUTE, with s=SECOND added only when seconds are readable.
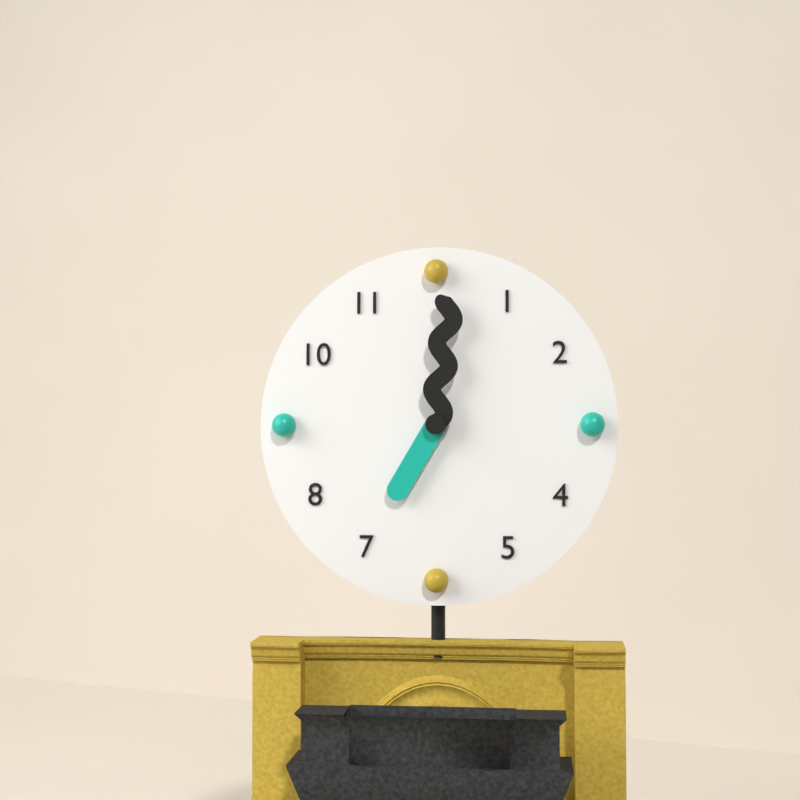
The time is h=7 m=1
